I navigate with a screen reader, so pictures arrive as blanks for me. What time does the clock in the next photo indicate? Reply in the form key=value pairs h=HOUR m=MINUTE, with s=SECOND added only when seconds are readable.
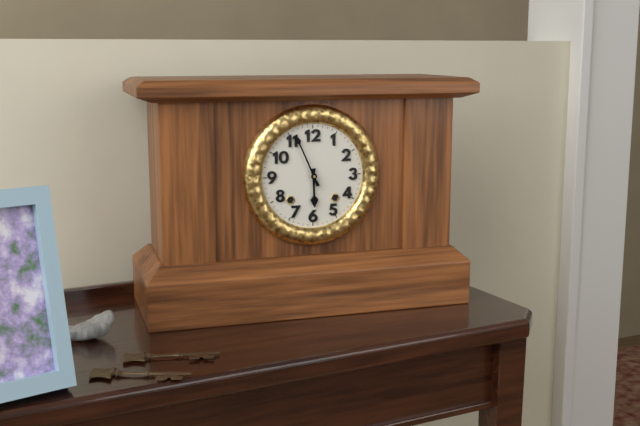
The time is h=5 m=56
